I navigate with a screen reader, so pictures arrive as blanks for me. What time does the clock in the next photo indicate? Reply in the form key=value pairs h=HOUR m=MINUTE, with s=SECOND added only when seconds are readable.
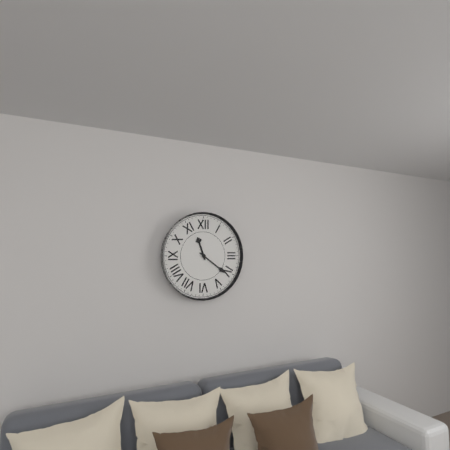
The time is h=11 m=21
